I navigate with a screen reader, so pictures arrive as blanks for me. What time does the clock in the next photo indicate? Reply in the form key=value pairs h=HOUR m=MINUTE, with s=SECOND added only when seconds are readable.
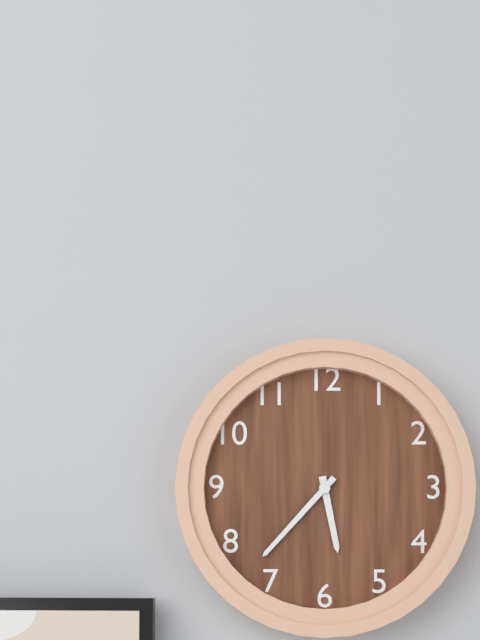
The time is h=5 m=37
